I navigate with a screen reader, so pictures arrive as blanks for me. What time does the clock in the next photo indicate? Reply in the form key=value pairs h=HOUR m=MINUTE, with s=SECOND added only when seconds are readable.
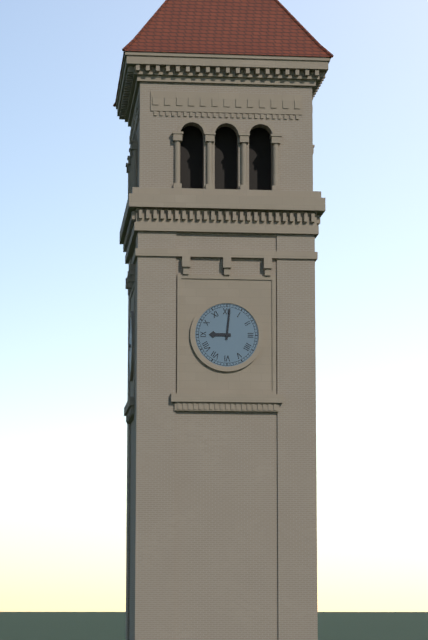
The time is h=9 m=1
